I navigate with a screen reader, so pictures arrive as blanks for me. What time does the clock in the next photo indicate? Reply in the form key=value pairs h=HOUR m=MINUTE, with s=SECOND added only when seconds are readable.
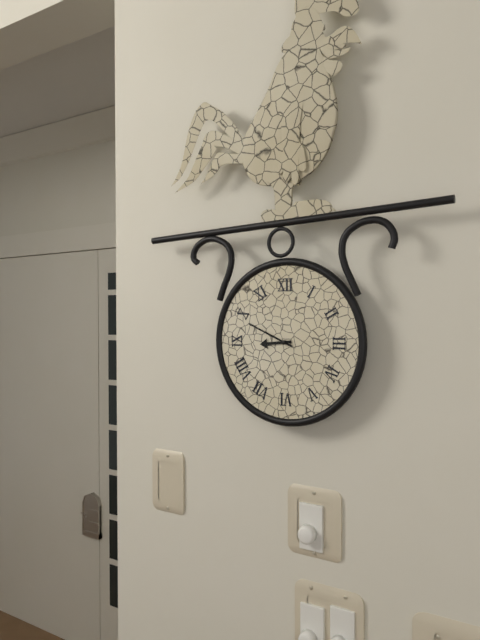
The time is h=8 m=49
